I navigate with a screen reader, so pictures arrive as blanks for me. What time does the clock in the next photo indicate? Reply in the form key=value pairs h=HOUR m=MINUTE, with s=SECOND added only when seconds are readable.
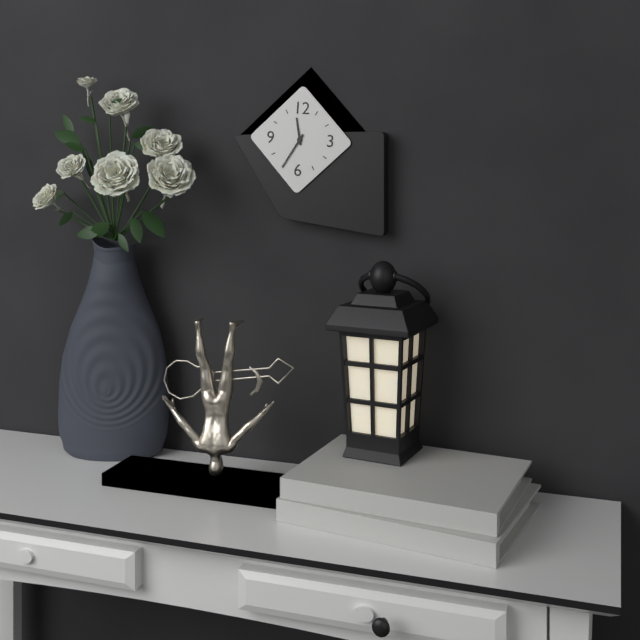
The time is h=11 m=35
